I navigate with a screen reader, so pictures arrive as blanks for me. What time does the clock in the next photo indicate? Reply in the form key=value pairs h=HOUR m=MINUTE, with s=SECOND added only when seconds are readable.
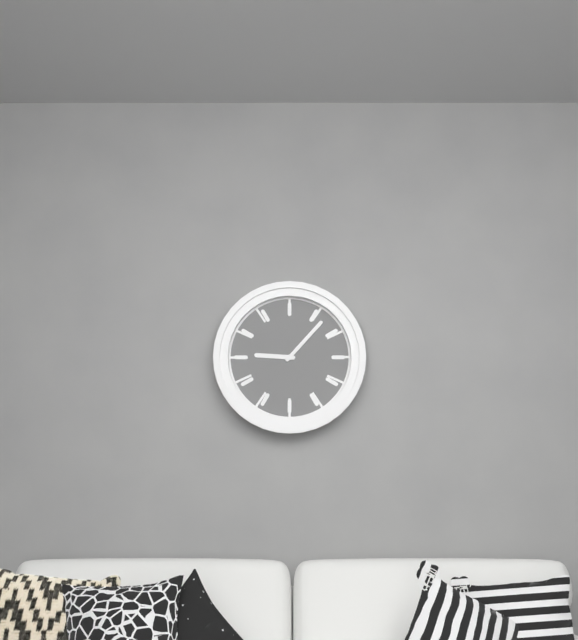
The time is h=9 m=7
